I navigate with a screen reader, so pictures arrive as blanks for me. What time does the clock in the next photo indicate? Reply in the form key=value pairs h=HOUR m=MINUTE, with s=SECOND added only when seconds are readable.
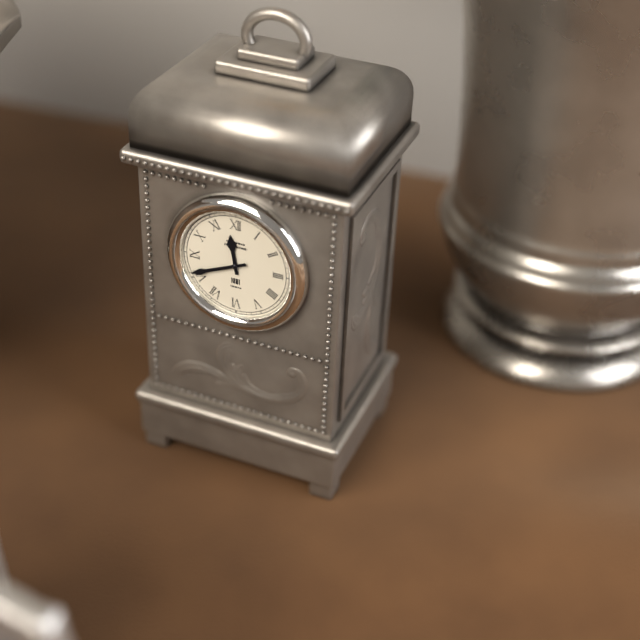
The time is h=11 m=41
